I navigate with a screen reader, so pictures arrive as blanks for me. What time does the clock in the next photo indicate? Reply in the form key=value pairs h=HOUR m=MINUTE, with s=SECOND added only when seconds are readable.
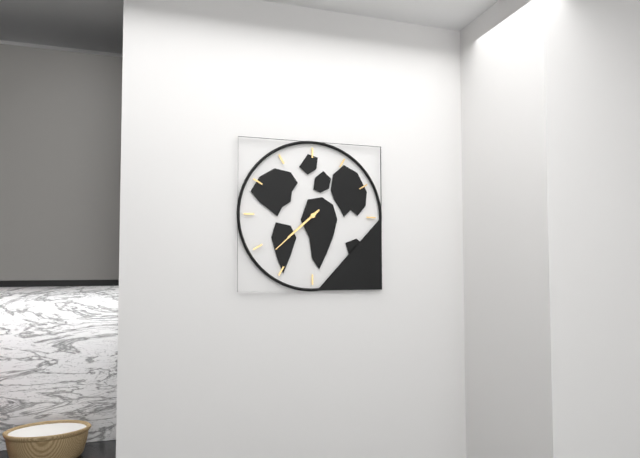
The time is h=7 m=38
